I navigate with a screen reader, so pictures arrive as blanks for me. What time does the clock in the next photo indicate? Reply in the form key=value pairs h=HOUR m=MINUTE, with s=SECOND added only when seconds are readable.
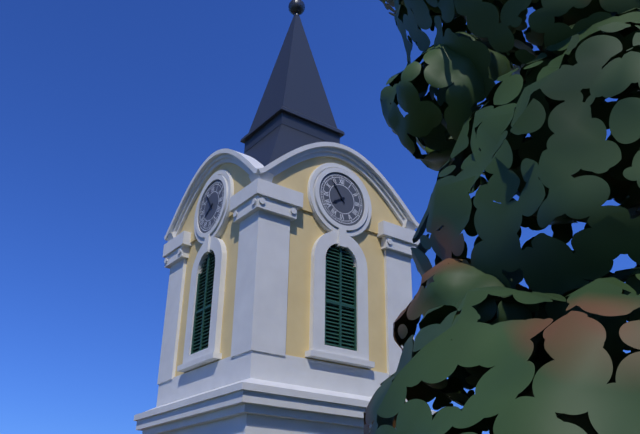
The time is h=7 m=54
